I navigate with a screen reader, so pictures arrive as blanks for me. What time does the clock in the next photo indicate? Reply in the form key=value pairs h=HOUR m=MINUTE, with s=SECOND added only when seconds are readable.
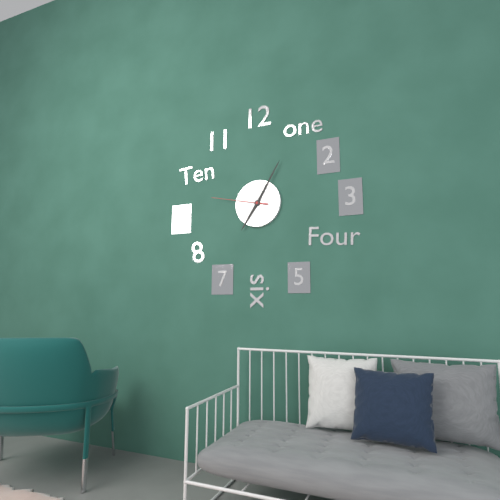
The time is h=7 m=5 s=47
